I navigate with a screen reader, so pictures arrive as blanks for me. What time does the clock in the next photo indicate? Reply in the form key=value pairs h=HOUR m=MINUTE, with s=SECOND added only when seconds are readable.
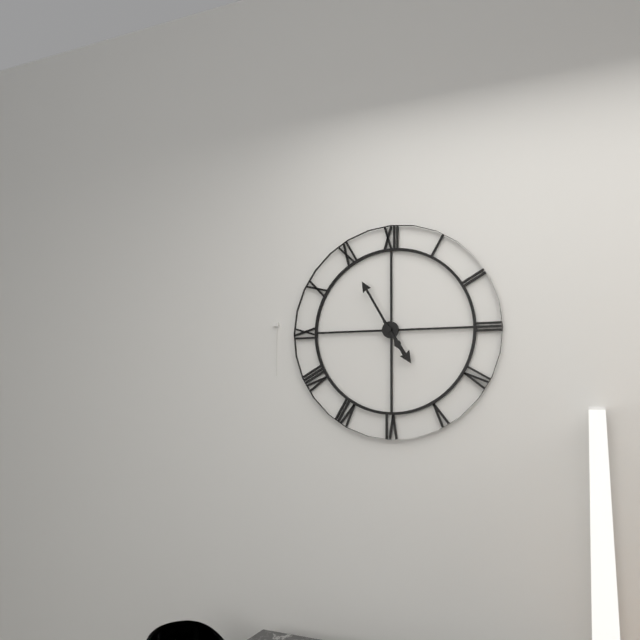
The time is h=4 m=55
